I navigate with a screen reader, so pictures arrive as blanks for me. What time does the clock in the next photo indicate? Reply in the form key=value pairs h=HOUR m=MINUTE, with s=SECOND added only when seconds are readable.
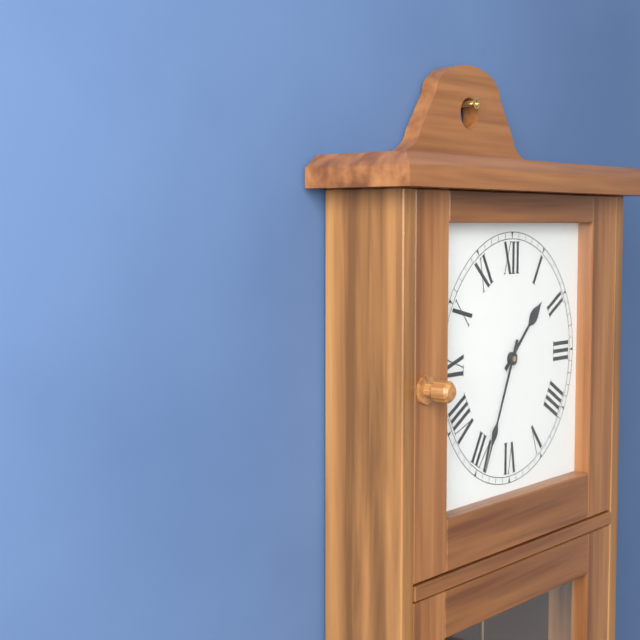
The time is h=1 m=34
